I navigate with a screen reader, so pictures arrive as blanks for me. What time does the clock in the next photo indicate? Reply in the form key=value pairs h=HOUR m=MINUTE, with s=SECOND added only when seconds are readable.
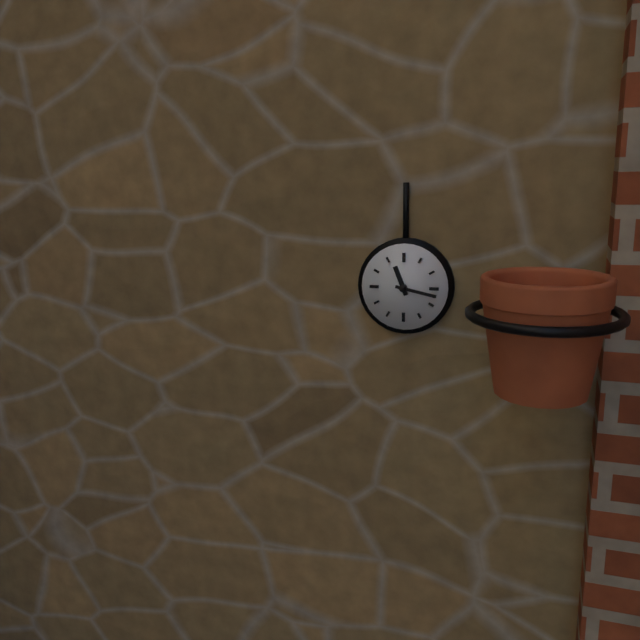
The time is h=11 m=17
